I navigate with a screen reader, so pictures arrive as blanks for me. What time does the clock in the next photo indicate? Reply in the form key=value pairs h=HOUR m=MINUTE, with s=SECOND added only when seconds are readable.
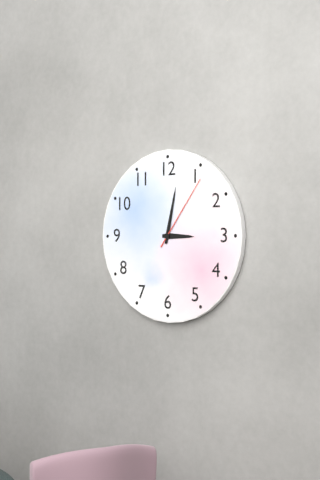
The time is h=3 m=2 s=6
